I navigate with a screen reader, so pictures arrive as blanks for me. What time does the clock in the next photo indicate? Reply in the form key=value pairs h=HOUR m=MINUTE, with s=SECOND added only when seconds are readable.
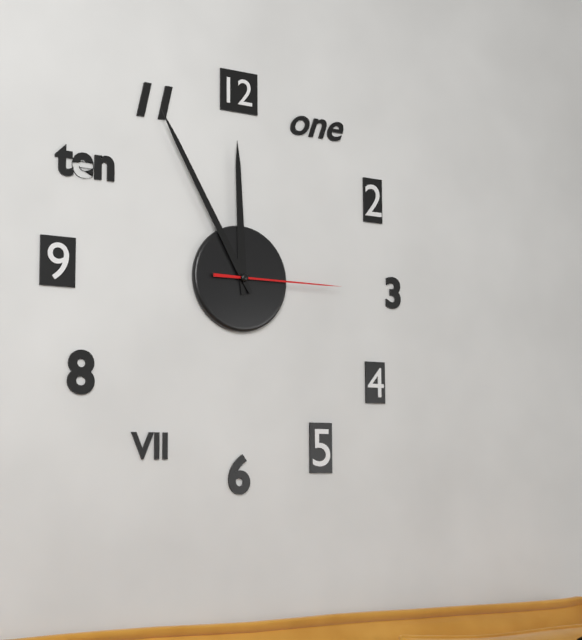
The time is h=11 m=55 s=15
